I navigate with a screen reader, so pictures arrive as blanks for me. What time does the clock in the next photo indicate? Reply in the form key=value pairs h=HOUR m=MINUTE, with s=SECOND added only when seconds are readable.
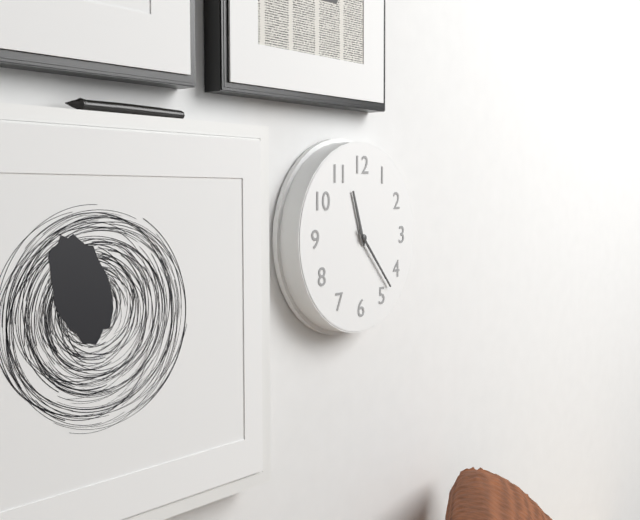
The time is h=11 m=23
